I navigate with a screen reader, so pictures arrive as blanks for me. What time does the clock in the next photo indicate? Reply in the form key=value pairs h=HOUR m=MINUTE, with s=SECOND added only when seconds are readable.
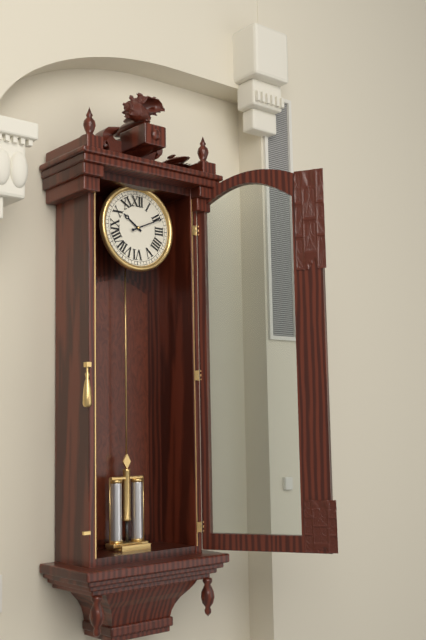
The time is h=10 m=11
